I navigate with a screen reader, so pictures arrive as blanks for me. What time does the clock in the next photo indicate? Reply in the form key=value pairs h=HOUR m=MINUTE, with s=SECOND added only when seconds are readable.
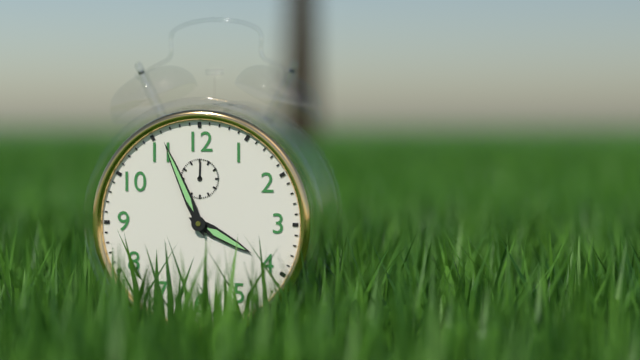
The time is h=3 m=56
